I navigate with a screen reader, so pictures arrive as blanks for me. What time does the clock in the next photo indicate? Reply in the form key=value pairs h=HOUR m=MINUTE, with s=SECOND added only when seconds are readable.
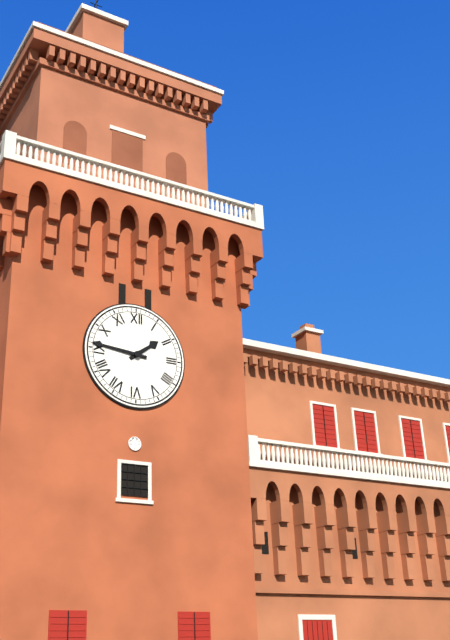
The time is h=1 m=46
